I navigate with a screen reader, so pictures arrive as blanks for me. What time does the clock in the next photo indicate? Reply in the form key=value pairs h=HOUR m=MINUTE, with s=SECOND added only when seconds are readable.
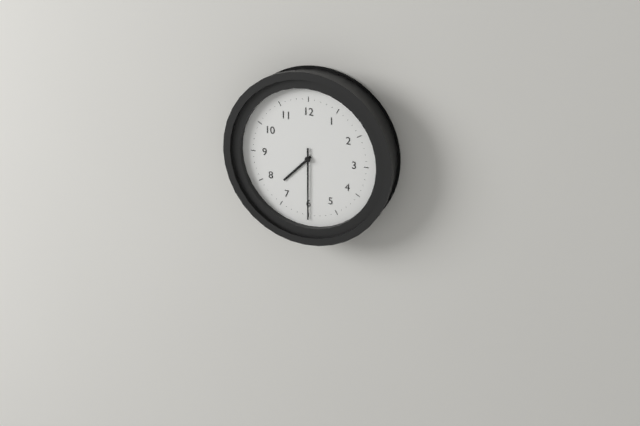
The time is h=7 m=30
